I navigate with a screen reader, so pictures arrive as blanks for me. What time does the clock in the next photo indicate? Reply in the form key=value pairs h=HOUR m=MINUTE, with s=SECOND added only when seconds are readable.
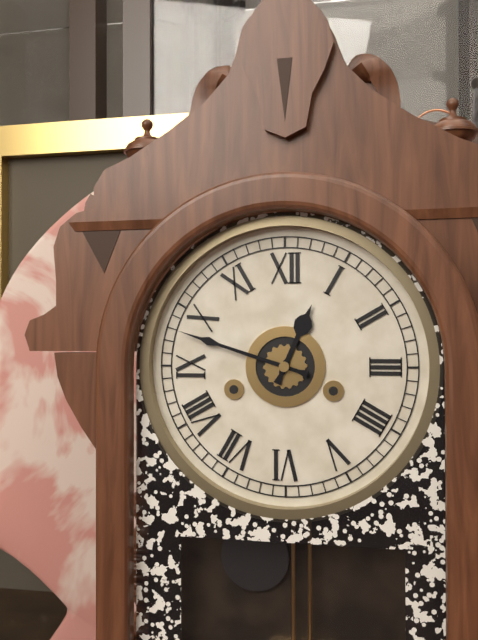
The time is h=12 m=48
